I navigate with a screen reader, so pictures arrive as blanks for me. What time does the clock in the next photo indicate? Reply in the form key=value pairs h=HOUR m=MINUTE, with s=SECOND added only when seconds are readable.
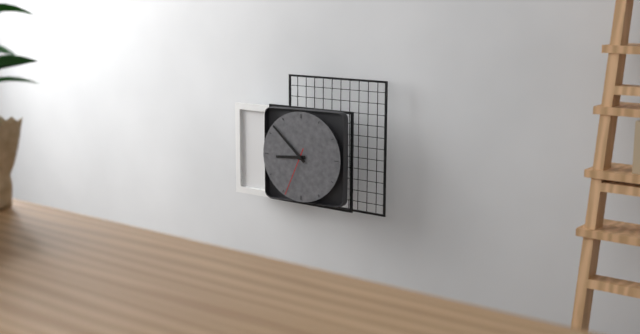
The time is h=8 m=52 s=34
